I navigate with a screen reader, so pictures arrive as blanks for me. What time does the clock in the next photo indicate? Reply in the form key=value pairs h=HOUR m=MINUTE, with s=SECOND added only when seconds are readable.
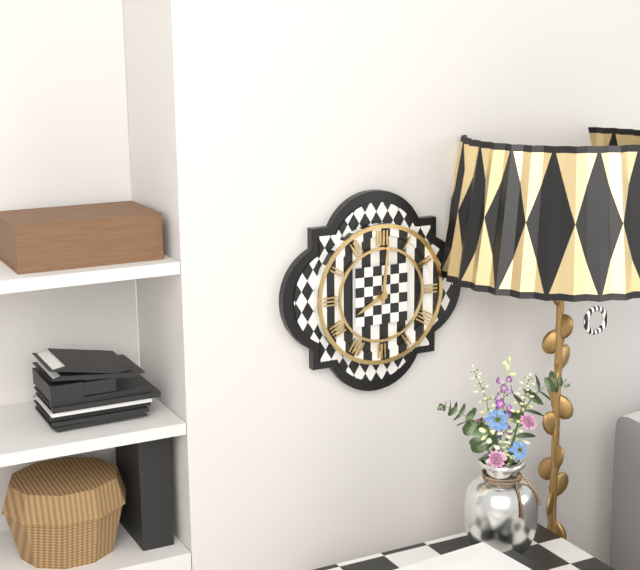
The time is h=8 m=1
